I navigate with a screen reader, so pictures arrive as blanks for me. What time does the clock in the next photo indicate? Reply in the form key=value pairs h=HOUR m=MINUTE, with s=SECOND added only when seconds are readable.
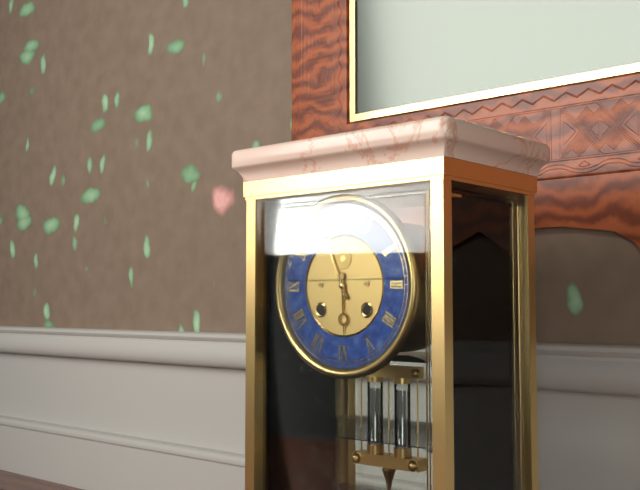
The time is h=5 m=56
